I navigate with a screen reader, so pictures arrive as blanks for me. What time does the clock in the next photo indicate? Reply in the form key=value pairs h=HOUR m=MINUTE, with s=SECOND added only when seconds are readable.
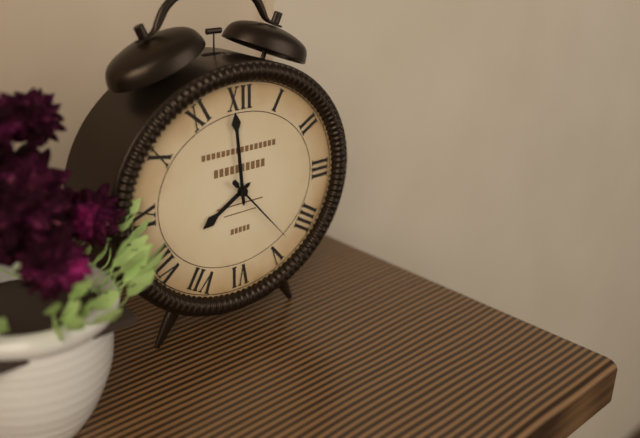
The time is h=7 m=59 s=23
